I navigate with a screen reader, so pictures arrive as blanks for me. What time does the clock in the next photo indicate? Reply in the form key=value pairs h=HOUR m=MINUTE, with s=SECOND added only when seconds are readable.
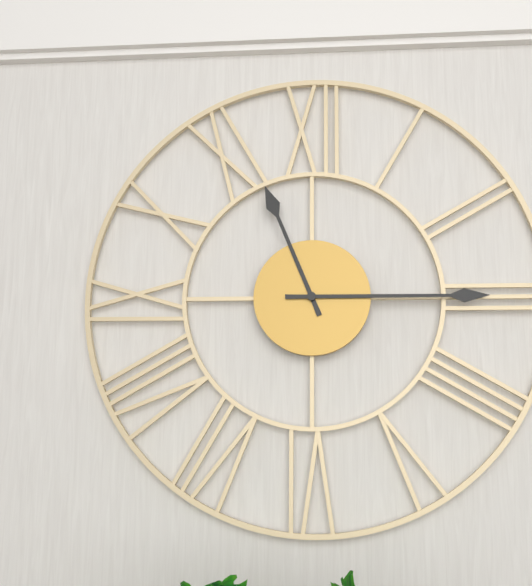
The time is h=11 m=15
